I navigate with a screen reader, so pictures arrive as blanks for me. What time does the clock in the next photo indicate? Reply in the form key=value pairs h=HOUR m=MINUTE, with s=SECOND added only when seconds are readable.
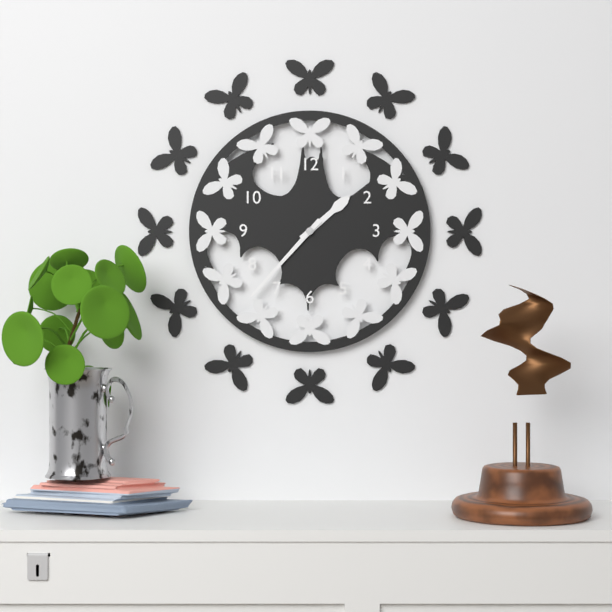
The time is h=1 m=37
